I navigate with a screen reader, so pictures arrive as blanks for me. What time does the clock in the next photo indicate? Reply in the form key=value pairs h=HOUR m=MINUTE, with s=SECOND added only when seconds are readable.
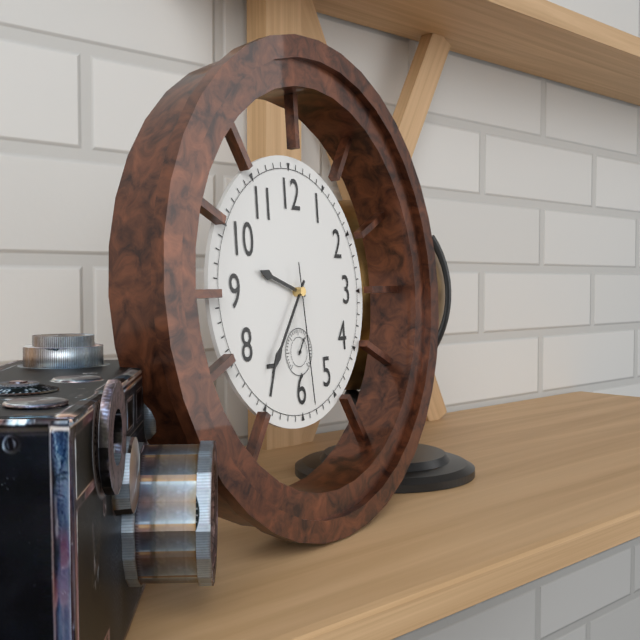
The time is h=9 m=36 s=29
